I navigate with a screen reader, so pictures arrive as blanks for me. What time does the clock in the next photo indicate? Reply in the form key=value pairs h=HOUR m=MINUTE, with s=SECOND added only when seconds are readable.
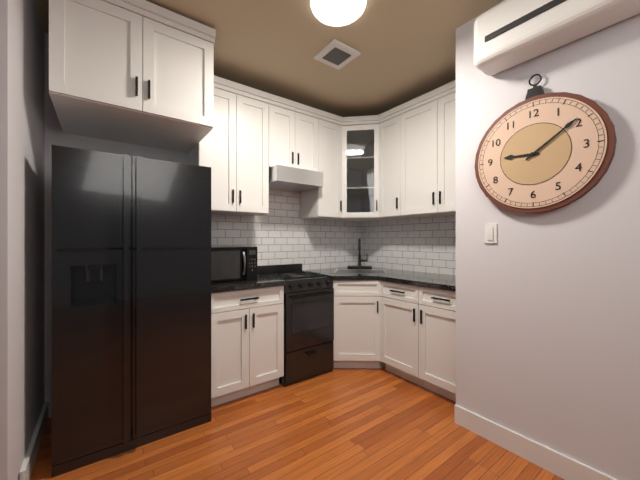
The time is h=9 m=9
